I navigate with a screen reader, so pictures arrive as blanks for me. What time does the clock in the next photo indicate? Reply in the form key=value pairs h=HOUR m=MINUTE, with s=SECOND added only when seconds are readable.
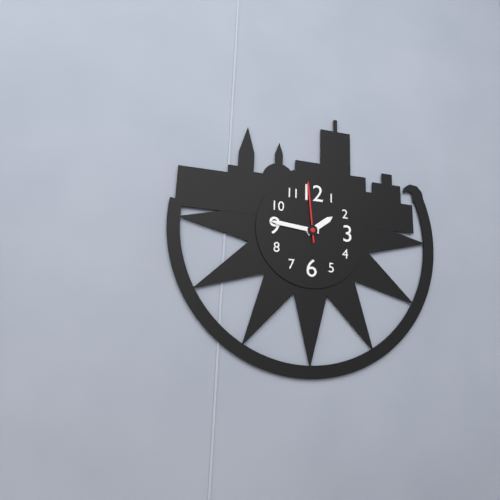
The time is h=1 m=46 s=59
